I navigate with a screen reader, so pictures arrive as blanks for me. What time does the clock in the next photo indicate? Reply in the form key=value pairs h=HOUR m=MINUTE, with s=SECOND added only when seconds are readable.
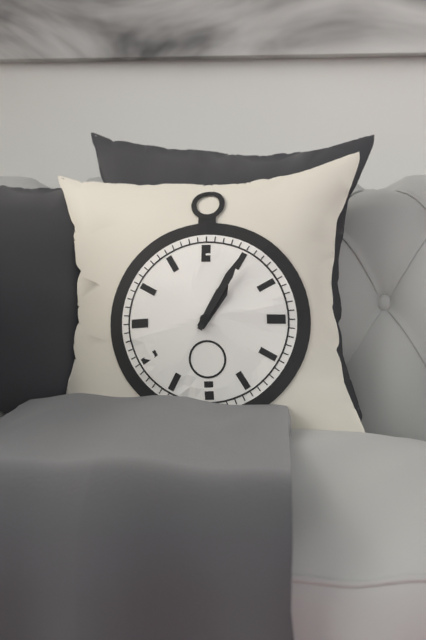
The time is h=1 m=5
